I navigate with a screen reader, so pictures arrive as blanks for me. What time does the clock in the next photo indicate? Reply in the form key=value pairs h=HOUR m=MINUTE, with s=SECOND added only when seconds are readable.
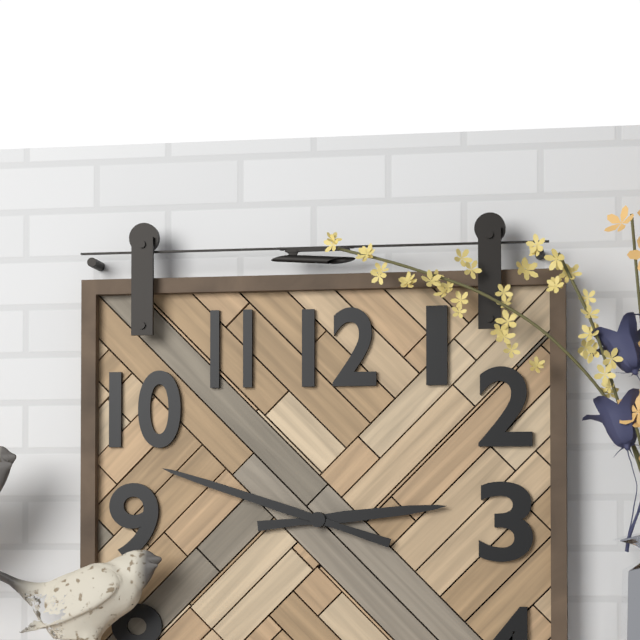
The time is h=2 m=48
